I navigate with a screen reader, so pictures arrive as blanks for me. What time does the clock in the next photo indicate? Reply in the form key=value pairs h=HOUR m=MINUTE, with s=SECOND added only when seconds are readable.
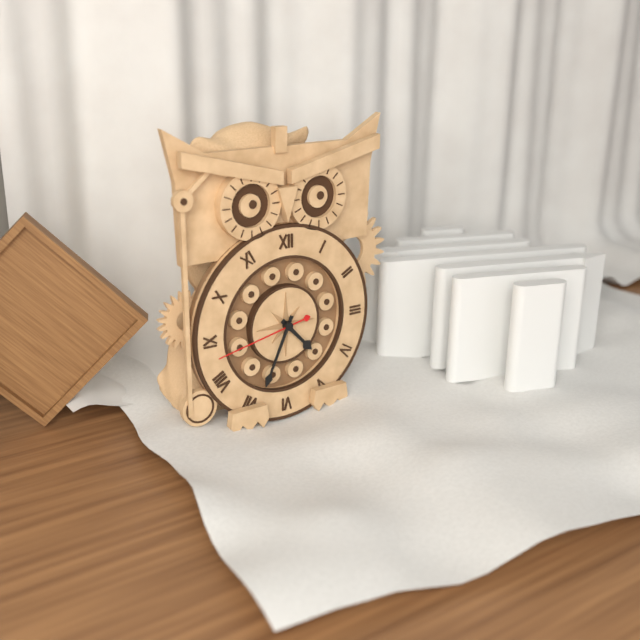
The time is h=4 m=34 s=43
